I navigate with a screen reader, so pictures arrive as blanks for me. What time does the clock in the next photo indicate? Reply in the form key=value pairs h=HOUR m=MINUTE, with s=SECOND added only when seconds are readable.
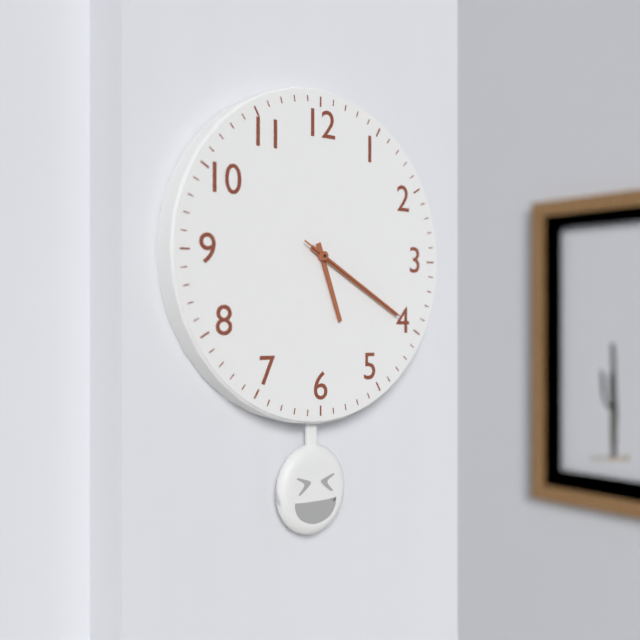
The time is h=5 m=20 s=20
